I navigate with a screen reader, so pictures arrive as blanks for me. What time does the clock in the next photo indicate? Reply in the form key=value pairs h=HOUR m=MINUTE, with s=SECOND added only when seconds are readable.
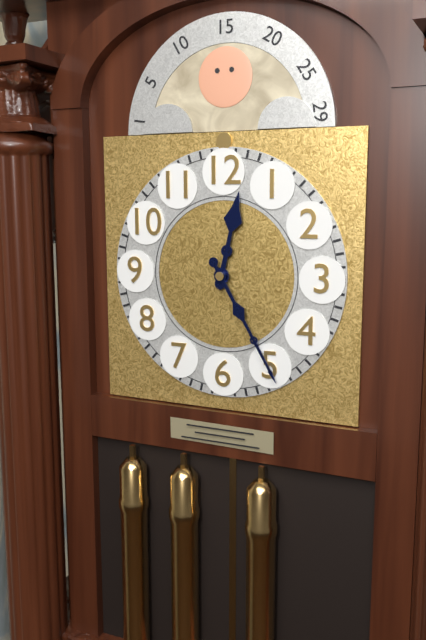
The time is h=12 m=25
